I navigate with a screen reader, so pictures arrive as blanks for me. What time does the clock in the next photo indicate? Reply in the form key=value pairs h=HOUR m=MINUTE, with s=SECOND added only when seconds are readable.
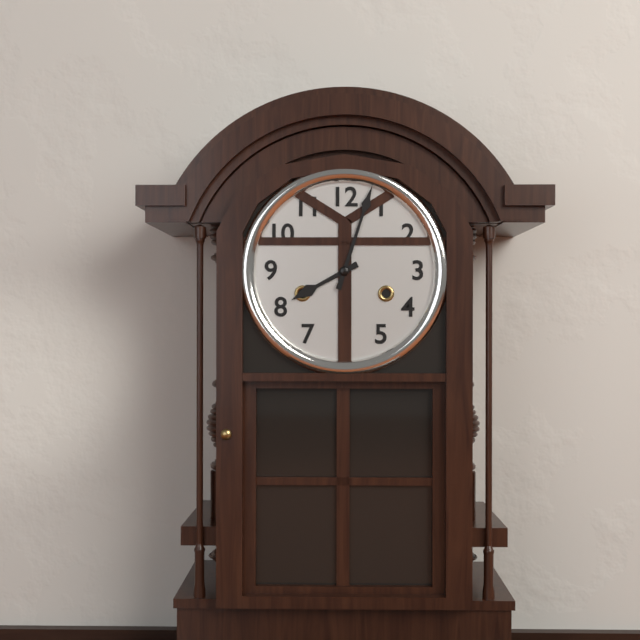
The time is h=8 m=3
